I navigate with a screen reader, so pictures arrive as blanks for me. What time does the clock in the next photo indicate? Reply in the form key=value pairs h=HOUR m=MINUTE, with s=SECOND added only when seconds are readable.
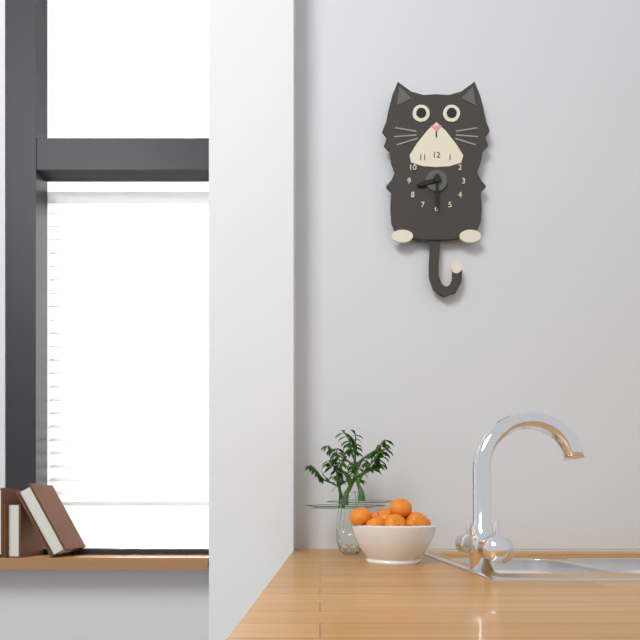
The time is h=8 m=30
